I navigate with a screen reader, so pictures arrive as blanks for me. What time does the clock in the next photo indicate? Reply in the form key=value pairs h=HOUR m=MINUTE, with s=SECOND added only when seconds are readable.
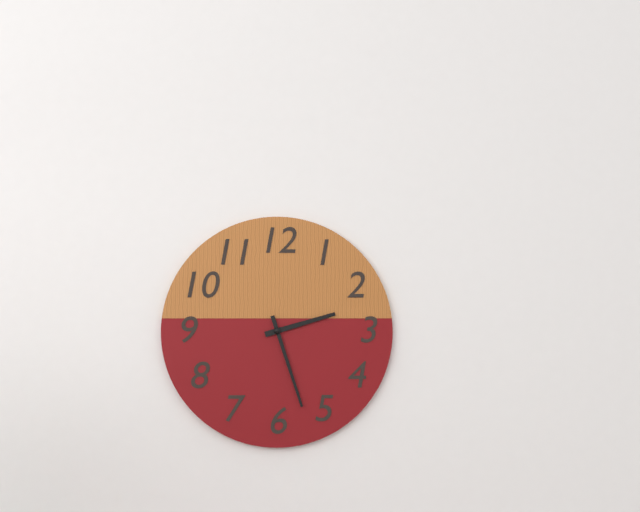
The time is h=2 m=27
